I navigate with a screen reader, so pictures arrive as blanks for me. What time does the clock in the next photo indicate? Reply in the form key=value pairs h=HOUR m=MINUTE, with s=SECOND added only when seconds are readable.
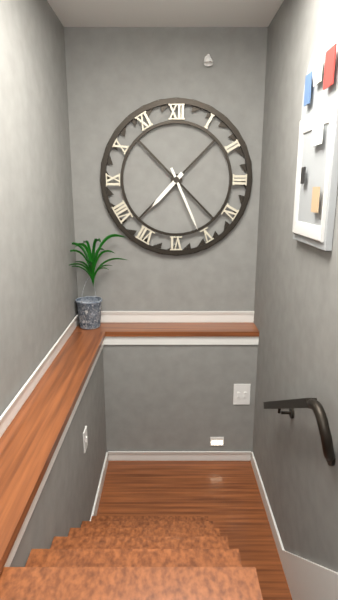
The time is h=7 m=26
